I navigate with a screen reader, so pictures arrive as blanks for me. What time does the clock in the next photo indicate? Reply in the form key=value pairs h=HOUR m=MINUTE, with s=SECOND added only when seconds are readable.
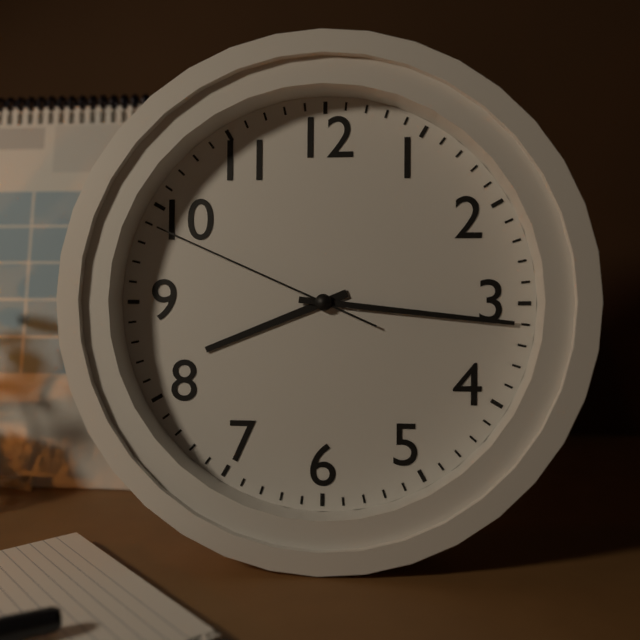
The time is h=8 m=16 s=49
